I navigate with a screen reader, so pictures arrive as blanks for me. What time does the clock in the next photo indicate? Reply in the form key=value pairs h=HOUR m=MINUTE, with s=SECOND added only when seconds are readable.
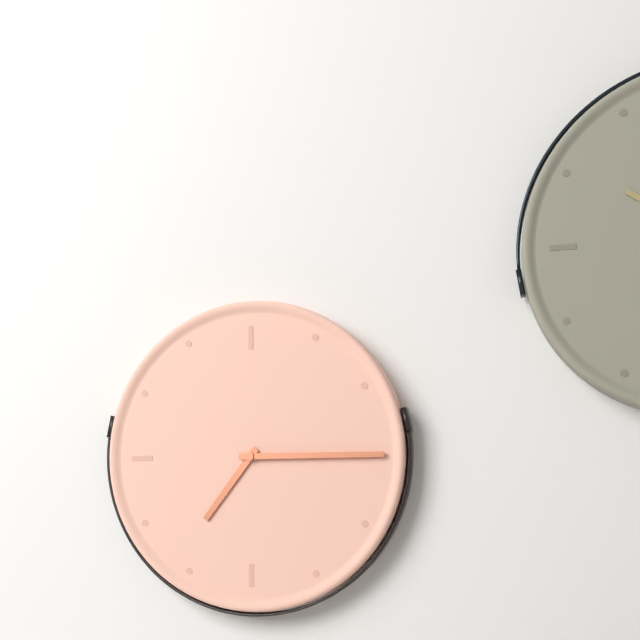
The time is h=7 m=15
